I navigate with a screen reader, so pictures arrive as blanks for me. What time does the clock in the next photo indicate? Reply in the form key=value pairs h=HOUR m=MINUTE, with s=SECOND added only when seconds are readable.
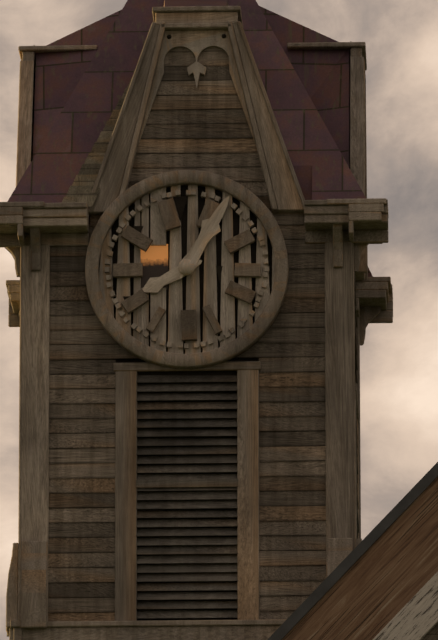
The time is h=8 m=5
